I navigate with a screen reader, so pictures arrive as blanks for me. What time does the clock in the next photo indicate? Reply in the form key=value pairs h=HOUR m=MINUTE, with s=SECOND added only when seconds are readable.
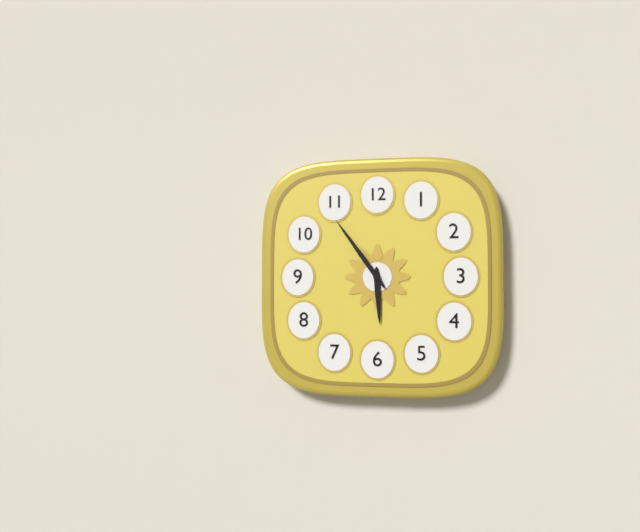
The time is h=5 m=54
